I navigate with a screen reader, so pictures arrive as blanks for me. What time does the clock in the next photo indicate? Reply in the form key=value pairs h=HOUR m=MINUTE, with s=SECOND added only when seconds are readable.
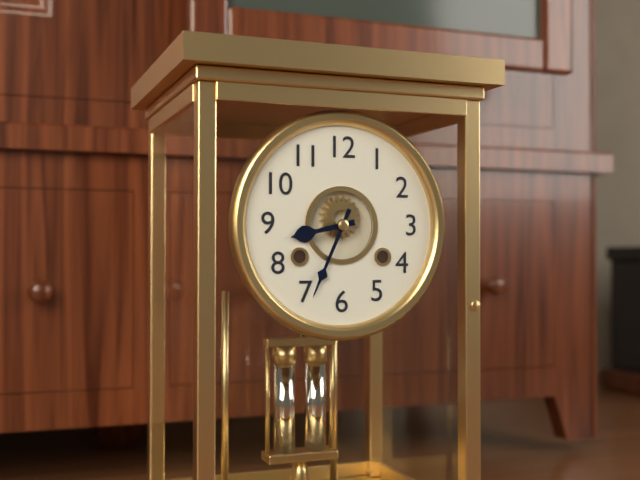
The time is h=8 m=34
